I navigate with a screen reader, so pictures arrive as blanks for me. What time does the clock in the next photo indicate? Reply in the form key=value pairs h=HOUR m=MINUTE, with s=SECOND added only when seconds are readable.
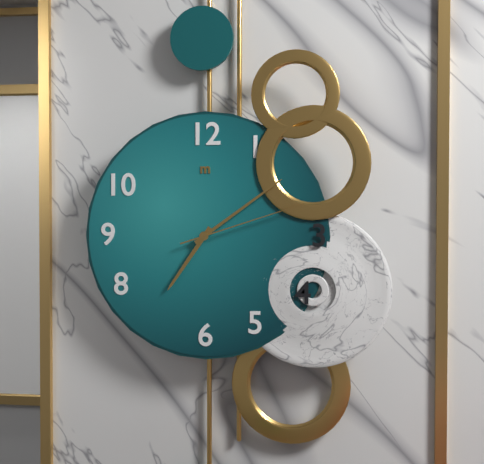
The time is h=7 m=9 s=12
